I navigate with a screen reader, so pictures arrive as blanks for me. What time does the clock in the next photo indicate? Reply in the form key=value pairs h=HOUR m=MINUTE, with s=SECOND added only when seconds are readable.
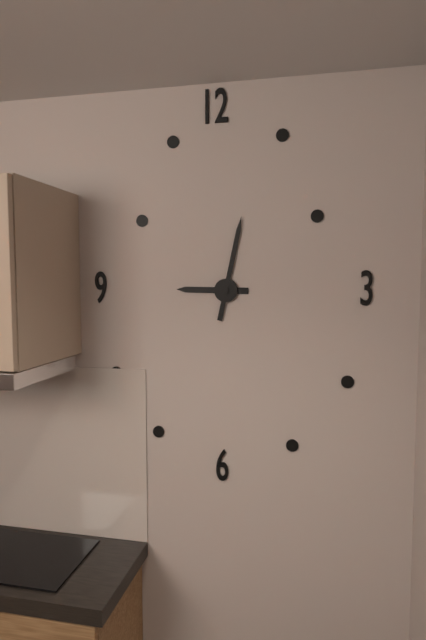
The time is h=9 m=2
